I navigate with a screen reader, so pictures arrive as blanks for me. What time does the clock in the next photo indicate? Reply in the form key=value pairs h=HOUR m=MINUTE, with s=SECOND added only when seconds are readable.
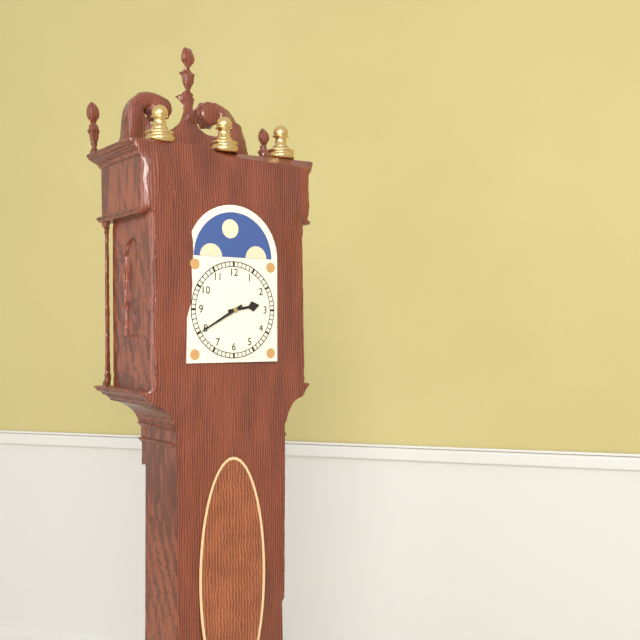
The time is h=2 m=40
